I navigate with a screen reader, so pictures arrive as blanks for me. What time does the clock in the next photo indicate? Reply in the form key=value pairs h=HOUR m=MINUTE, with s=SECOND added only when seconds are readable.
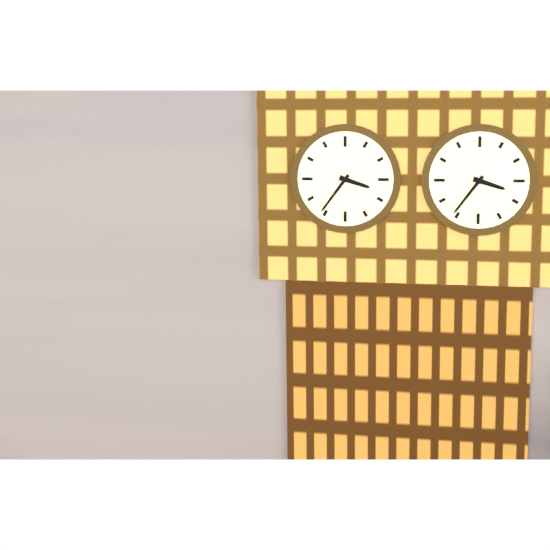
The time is h=3 m=36
